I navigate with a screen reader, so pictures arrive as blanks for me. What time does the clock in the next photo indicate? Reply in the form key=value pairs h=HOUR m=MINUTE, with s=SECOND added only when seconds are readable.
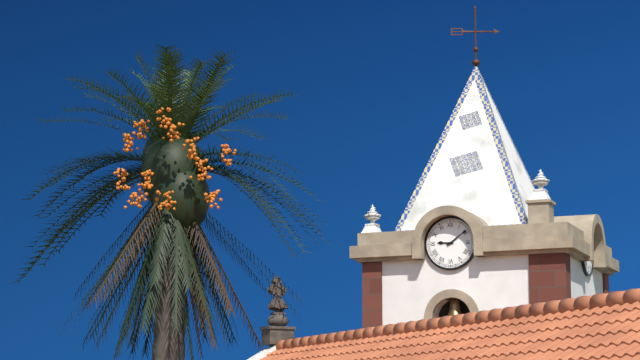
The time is h=9 m=9
